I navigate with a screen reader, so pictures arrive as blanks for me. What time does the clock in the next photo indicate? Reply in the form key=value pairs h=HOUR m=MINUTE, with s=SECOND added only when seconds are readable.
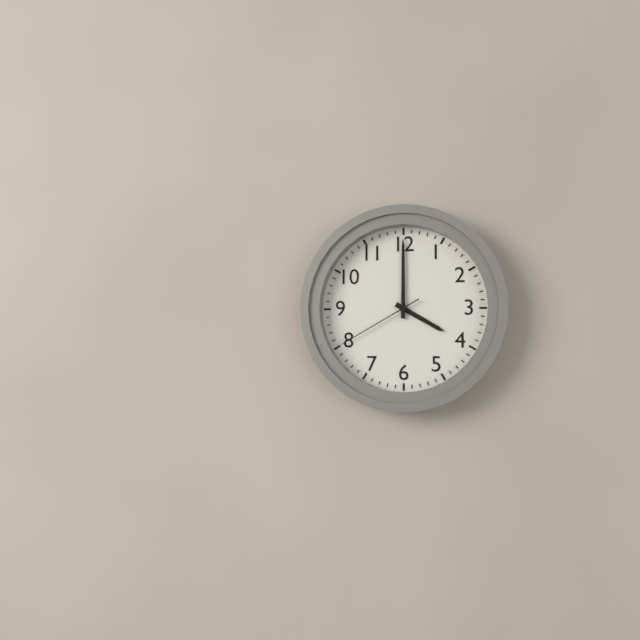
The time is h=4 m=0 s=40
